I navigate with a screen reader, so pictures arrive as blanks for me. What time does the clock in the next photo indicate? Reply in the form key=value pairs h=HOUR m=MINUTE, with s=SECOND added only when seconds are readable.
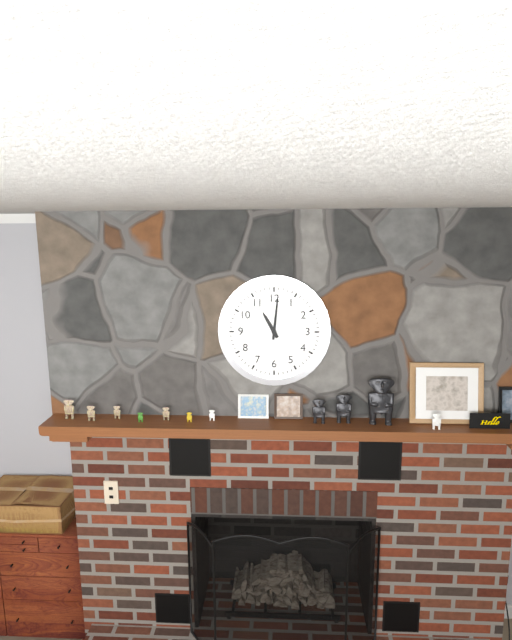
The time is h=11 m=1
